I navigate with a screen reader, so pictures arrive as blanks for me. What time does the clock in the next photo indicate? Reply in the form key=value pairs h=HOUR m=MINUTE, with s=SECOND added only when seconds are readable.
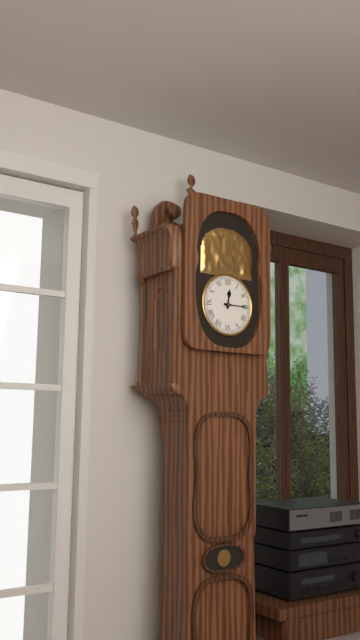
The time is h=12 m=15
